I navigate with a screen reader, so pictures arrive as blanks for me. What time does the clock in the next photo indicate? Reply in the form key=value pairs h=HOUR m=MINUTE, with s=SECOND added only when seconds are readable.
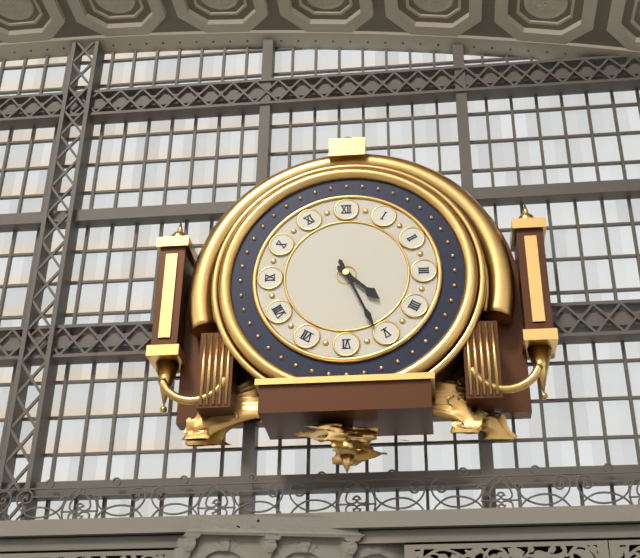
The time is h=4 m=26
